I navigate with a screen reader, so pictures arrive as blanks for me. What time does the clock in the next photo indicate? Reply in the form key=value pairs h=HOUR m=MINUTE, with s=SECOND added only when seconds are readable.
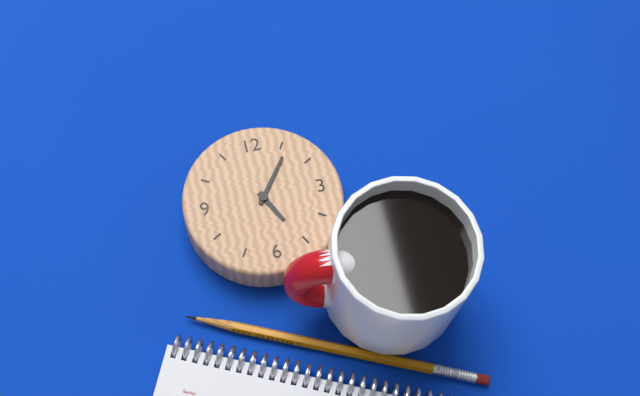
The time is h=5 m=6
